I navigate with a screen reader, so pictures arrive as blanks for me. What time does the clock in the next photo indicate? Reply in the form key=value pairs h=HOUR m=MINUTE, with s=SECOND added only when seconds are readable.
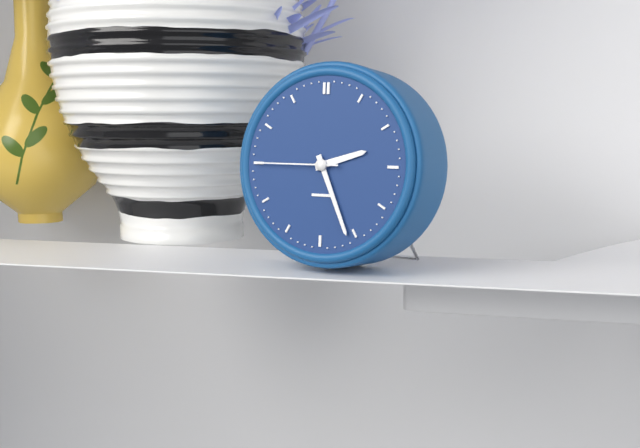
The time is h=2 m=26 s=45
